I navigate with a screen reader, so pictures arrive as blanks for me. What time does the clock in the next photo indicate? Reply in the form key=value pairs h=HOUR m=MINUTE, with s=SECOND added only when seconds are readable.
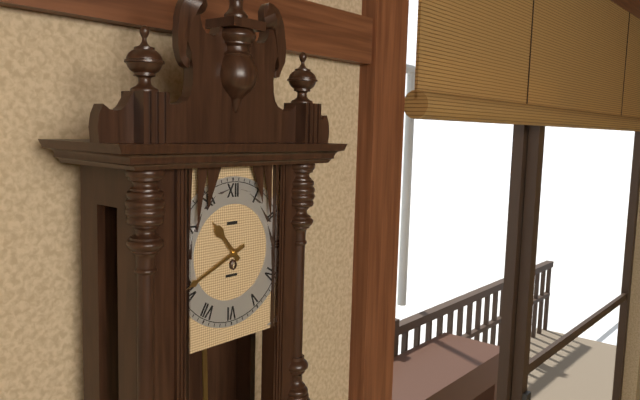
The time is h=10 m=41
